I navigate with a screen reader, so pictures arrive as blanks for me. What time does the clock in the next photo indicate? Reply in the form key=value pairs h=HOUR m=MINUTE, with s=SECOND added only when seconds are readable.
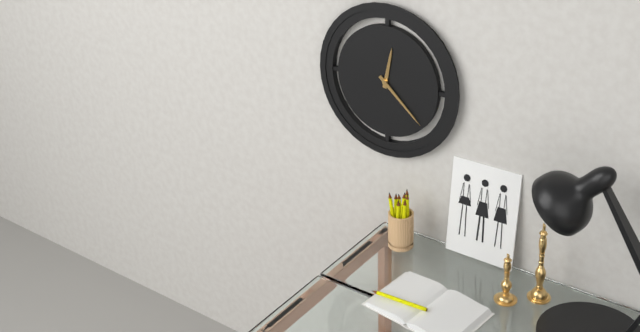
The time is h=12 m=22
